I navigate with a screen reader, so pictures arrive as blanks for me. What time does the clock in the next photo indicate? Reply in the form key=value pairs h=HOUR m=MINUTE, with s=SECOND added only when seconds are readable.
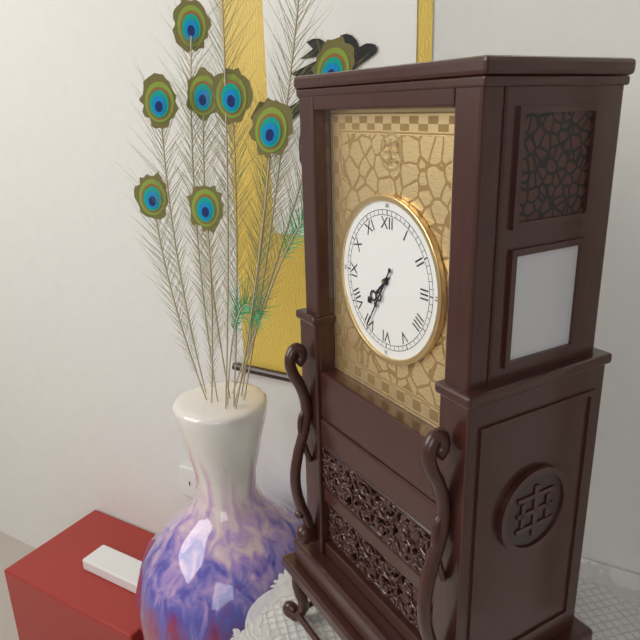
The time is h=7 m=35
